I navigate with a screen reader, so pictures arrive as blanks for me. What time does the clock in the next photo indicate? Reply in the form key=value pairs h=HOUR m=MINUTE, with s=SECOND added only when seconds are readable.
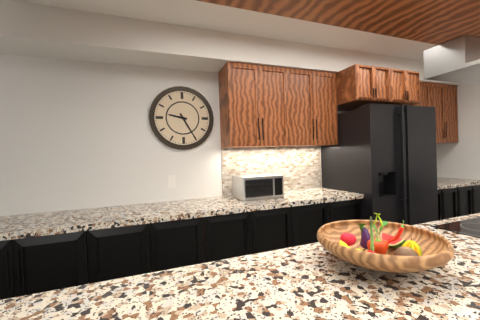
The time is h=9 m=25
